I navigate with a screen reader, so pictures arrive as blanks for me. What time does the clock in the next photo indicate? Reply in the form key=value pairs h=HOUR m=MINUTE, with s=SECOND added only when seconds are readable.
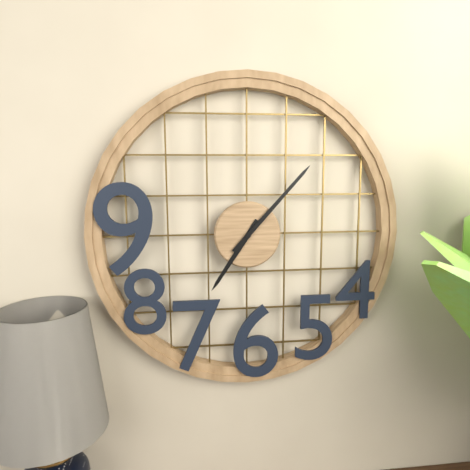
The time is h=7 m=7
